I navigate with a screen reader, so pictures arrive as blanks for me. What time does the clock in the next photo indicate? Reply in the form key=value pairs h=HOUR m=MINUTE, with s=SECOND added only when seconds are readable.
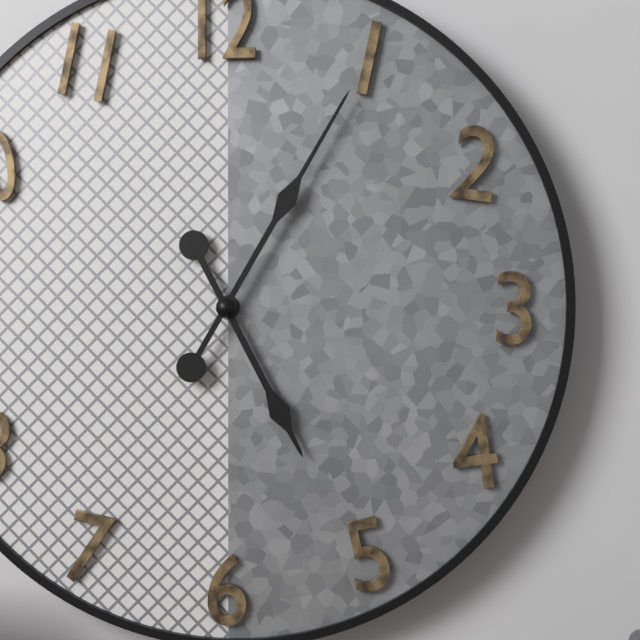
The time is h=5 m=5
